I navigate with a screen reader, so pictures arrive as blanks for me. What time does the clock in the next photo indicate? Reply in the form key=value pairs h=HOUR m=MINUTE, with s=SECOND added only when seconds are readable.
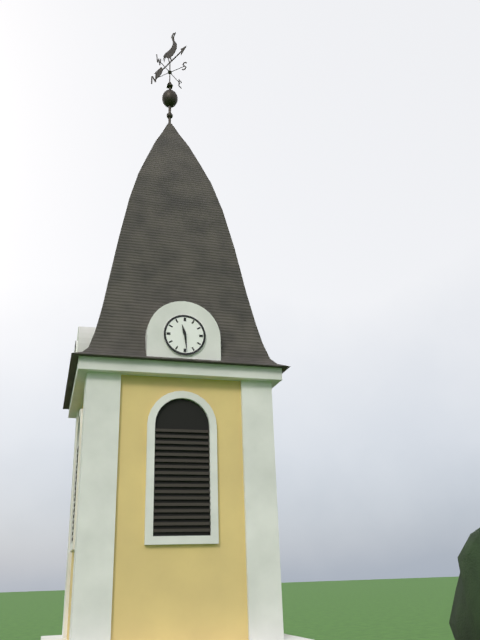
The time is h=11 m=29
